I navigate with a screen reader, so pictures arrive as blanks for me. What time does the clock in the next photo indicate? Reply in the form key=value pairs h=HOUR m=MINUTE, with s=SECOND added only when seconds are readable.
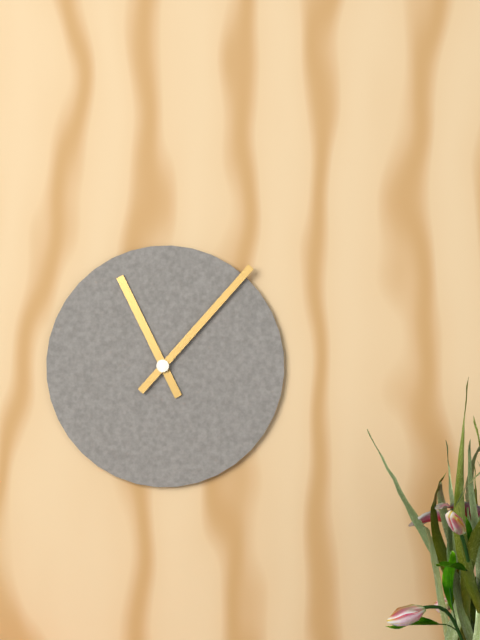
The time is h=11 m=7
